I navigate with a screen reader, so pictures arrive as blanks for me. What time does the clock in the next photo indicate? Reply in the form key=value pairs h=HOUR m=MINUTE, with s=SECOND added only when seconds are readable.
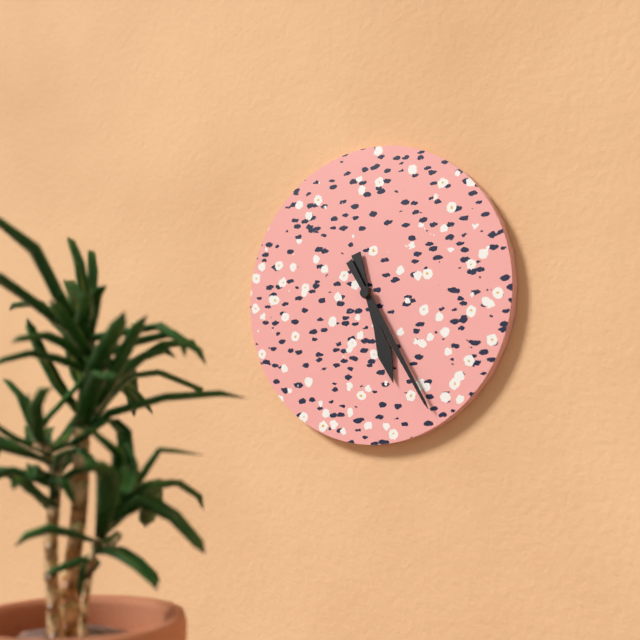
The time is h=5 m=25
